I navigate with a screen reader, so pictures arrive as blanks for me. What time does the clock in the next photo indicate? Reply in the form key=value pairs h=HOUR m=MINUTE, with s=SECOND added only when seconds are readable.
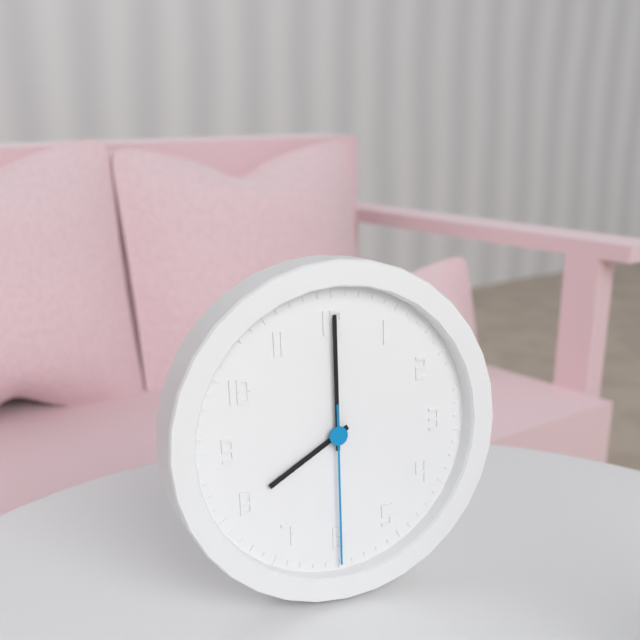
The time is h=8 m=0 s=30
